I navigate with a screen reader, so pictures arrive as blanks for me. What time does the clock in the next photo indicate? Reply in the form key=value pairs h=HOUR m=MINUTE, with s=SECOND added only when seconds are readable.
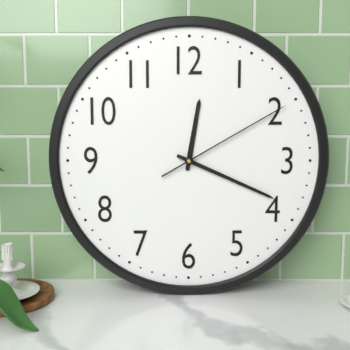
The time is h=12 m=19 s=10
